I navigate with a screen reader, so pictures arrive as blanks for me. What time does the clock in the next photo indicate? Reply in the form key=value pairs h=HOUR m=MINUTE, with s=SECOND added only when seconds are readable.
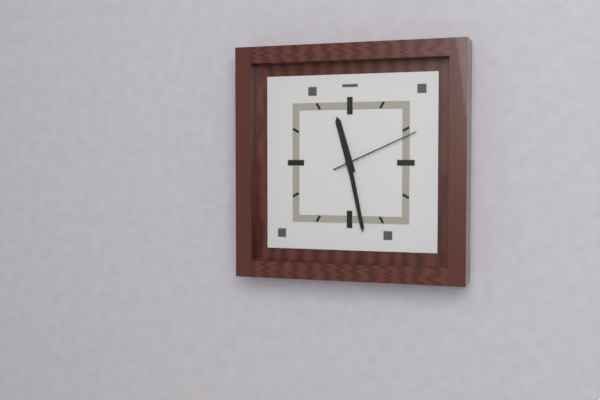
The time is h=11 m=28 s=11
